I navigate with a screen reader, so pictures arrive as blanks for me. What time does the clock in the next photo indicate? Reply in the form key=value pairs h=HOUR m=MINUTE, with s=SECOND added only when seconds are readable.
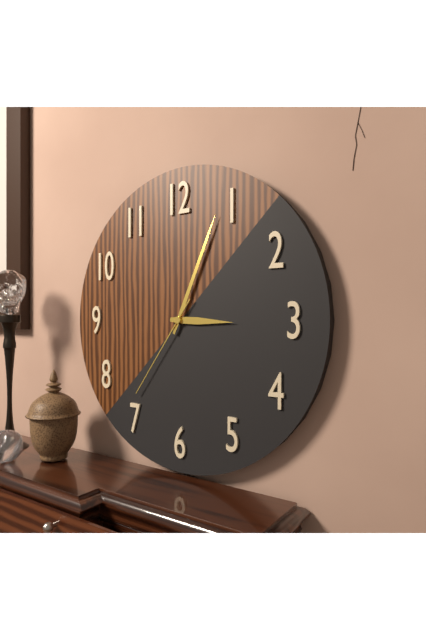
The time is h=3 m=4 s=36
